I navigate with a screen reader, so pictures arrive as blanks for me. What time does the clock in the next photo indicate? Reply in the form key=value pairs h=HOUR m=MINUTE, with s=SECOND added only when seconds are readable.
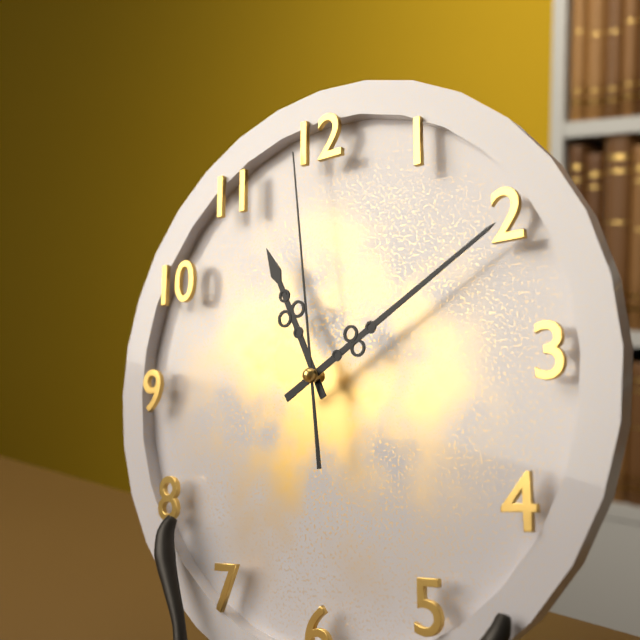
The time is h=11 m=10 s=59
